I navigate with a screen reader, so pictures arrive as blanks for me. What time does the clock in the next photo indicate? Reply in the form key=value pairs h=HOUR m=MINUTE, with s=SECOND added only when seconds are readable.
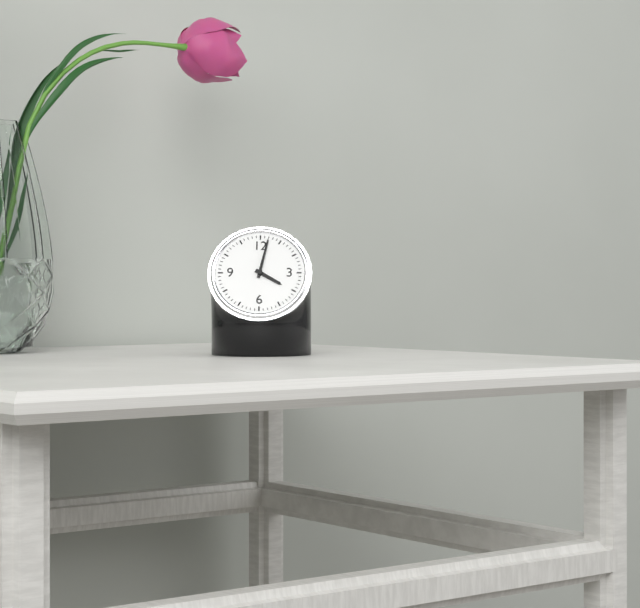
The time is h=4 m=2
